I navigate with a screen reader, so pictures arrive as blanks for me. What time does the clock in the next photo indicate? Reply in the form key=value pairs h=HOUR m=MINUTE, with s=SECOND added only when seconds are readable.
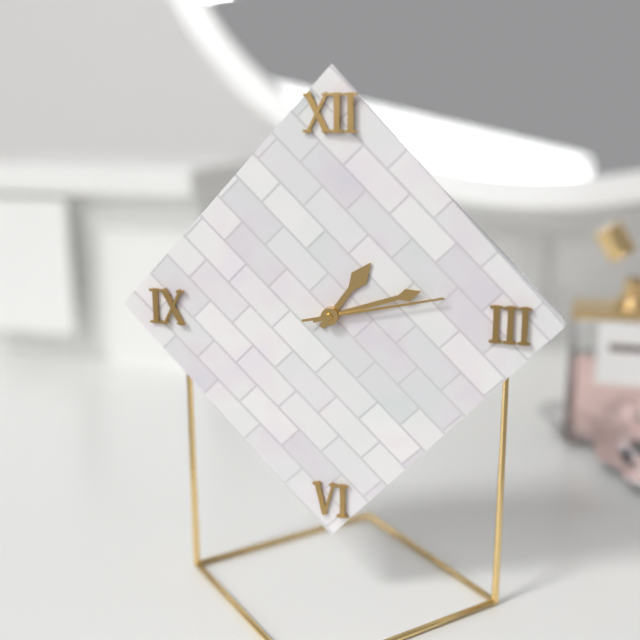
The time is h=1 m=12 s=13
